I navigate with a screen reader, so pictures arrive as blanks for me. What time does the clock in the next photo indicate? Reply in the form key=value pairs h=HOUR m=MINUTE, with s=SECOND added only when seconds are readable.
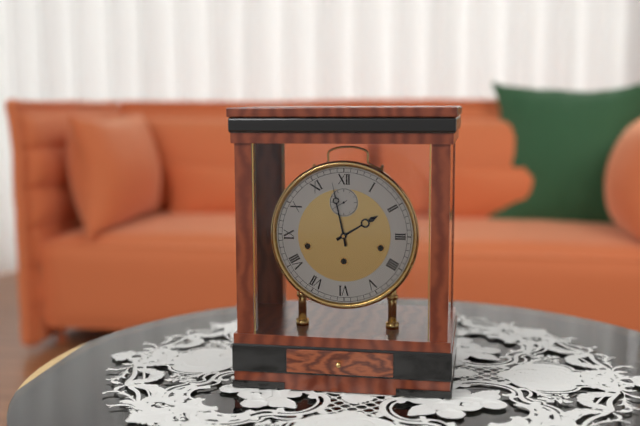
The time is h=1 m=58
